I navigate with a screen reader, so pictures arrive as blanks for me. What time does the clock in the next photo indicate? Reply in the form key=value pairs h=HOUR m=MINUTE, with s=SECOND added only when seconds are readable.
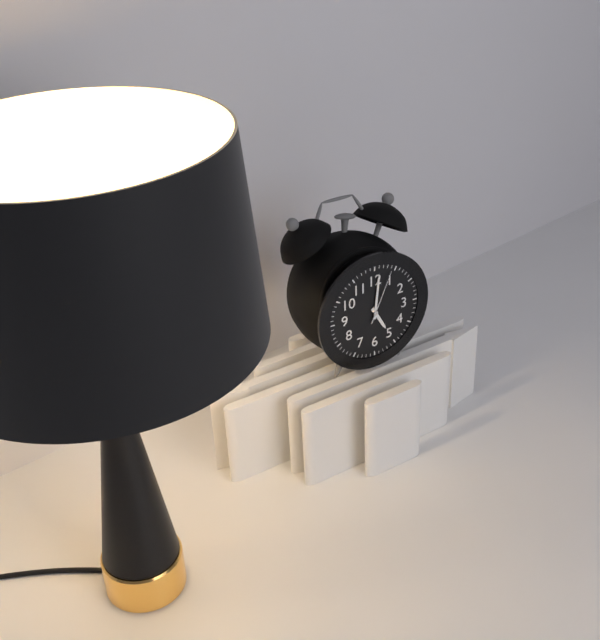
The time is h=5 m=1 s=4
